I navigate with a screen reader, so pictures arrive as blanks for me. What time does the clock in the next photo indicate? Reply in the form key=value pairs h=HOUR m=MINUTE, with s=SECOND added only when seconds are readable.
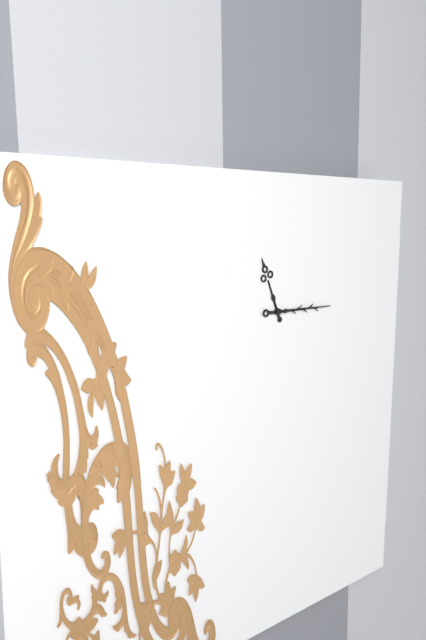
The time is h=11 m=15
